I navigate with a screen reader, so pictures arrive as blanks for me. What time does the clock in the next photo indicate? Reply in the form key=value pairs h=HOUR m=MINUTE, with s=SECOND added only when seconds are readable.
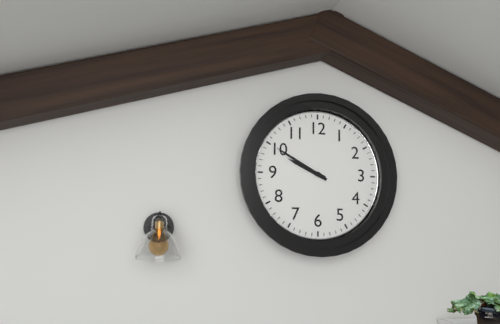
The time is h=9 m=50
